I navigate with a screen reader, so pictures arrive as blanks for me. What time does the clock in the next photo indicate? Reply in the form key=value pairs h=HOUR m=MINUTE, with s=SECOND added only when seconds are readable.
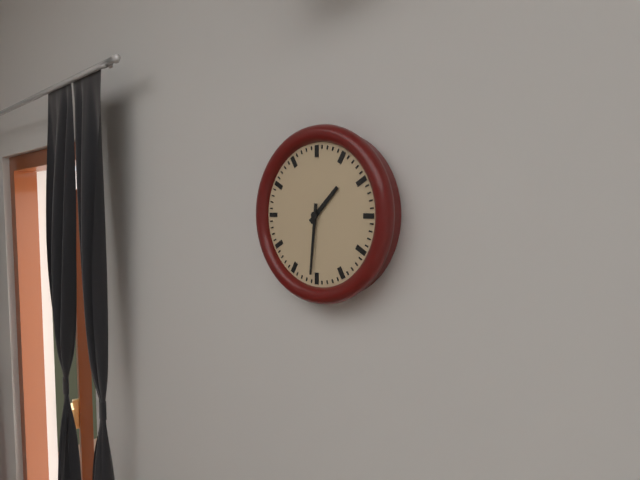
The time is h=1 m=31
